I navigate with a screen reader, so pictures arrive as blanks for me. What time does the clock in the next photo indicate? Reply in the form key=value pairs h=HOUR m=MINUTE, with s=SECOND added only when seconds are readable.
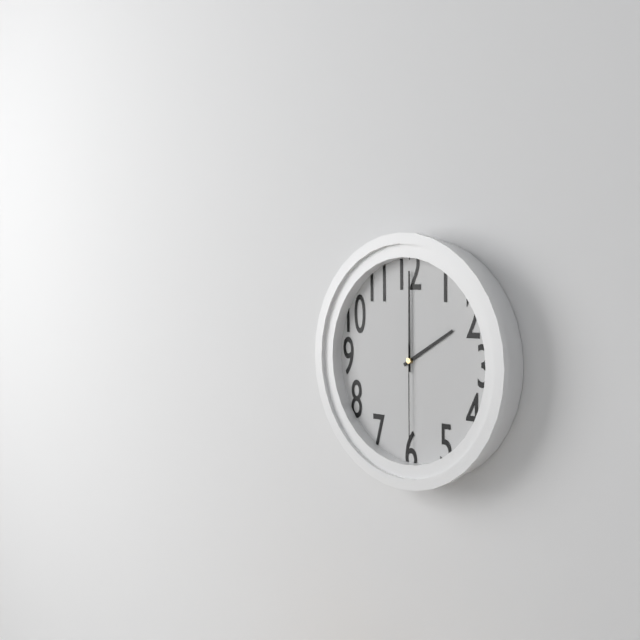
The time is h=2 m=0 s=30
